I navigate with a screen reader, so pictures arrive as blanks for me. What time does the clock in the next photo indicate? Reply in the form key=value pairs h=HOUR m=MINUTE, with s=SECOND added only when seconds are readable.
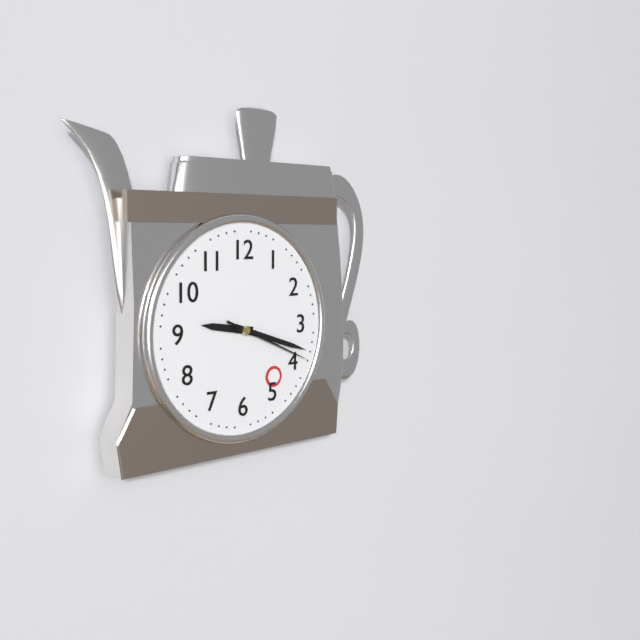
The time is h=9 m=18 s=19
